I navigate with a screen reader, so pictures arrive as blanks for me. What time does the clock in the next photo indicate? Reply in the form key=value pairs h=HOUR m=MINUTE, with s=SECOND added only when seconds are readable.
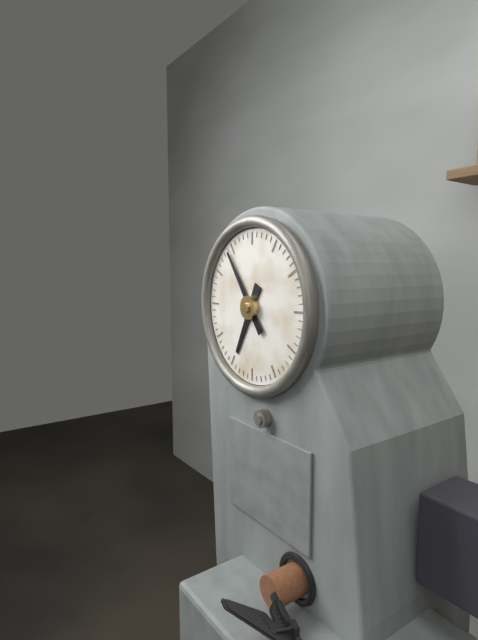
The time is h=6 m=54
